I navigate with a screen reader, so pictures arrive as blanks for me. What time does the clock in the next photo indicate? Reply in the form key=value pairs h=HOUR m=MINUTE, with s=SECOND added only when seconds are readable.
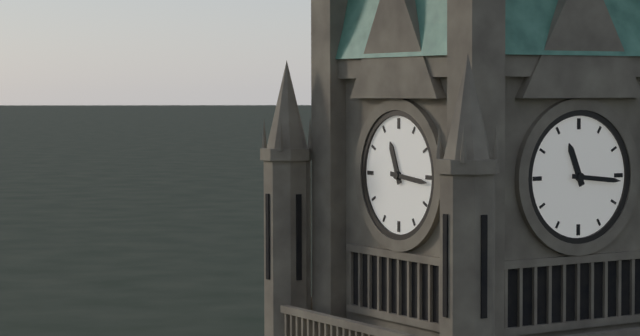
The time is h=11 m=16
